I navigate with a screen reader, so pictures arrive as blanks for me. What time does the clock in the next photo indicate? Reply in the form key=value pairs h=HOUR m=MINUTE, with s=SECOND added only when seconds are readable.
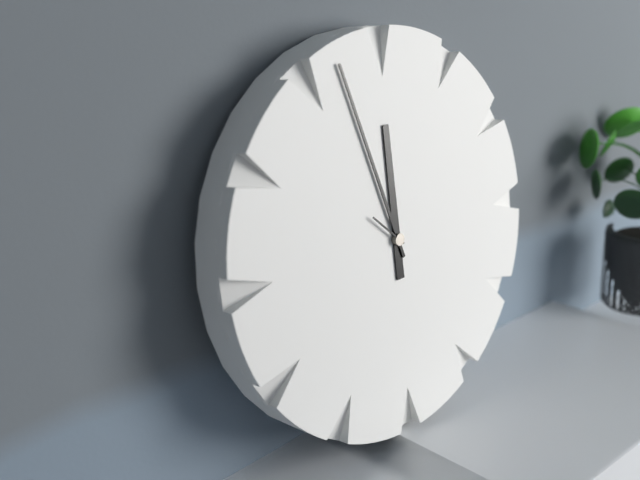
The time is h=11 m=57
